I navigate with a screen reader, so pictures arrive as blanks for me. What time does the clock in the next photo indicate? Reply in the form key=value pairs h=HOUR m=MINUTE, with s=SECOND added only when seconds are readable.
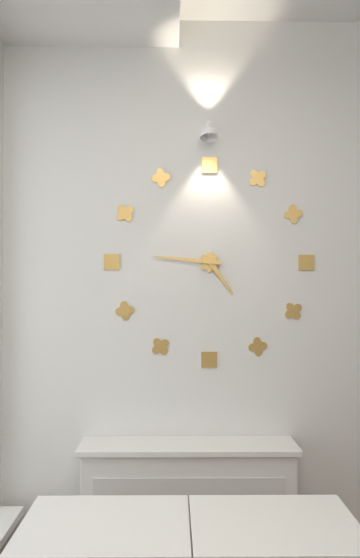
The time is h=4 m=46
